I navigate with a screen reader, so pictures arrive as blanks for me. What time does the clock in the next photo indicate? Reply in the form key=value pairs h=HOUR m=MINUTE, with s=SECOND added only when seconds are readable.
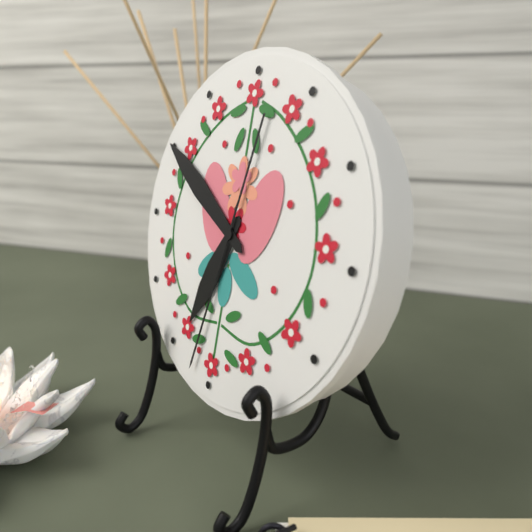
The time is h=6 m=50 s=32
